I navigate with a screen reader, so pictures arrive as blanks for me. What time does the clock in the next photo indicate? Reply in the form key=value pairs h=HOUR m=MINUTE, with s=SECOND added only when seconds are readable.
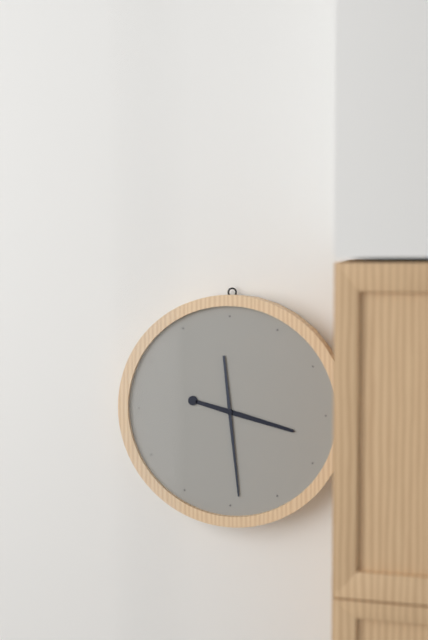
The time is h=3 m=29
